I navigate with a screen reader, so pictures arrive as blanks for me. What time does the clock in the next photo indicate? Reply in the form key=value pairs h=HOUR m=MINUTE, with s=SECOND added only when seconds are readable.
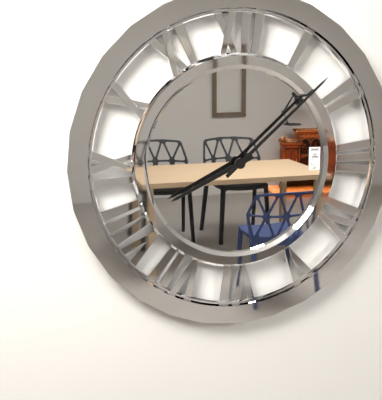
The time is h=8 m=8
